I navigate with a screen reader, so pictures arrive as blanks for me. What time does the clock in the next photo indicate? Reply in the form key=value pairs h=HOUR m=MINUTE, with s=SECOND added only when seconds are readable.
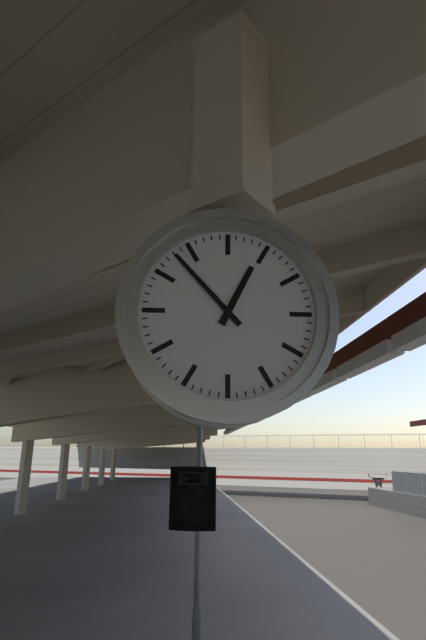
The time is h=12 m=53
